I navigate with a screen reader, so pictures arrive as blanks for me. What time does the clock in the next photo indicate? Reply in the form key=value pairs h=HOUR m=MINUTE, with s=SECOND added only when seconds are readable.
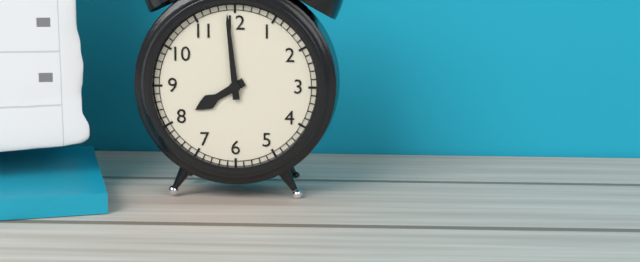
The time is h=7 m=59
